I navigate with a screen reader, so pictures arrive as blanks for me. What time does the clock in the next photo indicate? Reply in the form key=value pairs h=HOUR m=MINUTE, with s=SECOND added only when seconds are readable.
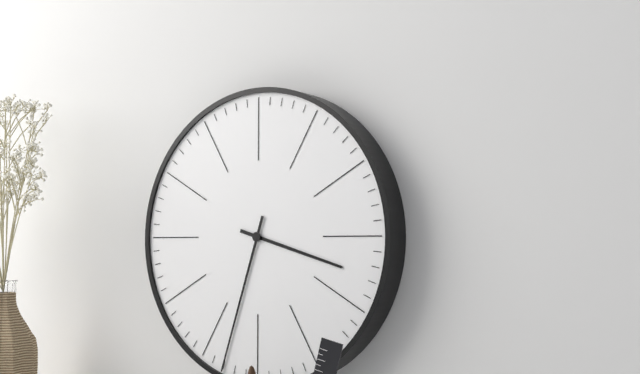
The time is h=3 m=33
